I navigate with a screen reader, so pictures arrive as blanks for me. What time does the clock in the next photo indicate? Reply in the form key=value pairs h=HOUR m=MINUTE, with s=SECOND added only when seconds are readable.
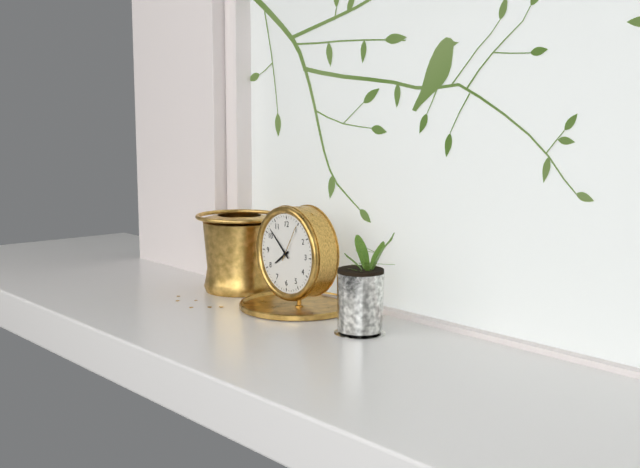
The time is h=7 m=52
